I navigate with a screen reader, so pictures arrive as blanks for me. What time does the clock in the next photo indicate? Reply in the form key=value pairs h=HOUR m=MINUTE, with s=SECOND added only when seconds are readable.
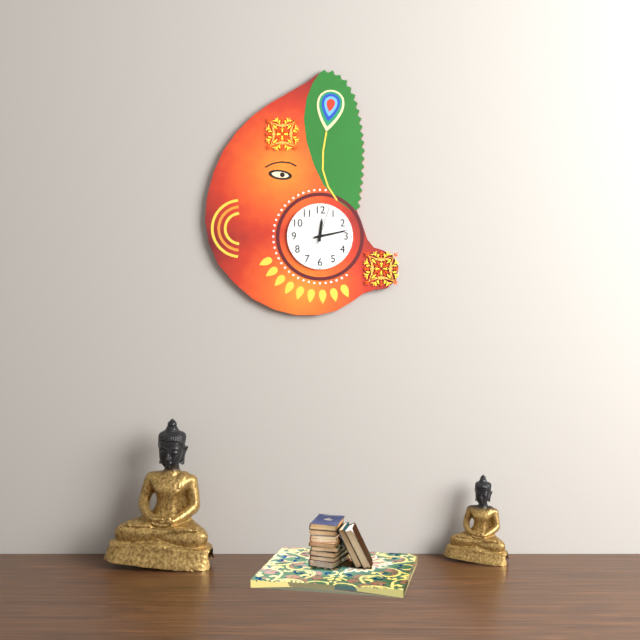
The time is h=12 m=13
